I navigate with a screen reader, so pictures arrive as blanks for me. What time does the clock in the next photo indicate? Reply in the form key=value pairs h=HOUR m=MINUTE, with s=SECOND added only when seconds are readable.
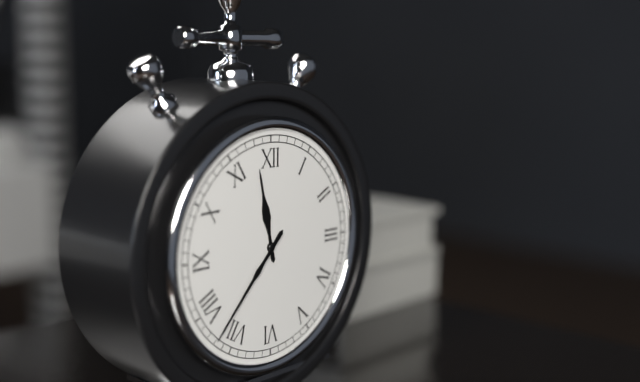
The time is h=11 m=37
